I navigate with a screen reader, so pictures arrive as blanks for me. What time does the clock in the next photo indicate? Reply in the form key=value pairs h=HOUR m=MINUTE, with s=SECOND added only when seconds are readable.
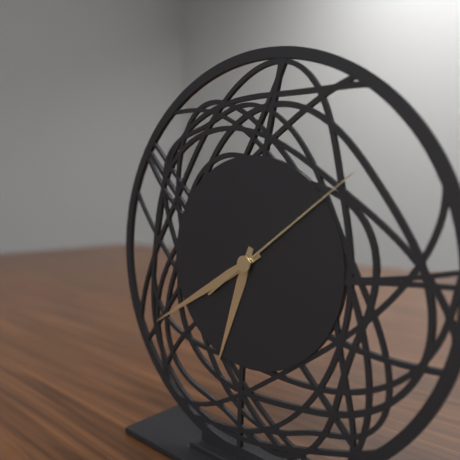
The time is h=6 m=40 s=9
